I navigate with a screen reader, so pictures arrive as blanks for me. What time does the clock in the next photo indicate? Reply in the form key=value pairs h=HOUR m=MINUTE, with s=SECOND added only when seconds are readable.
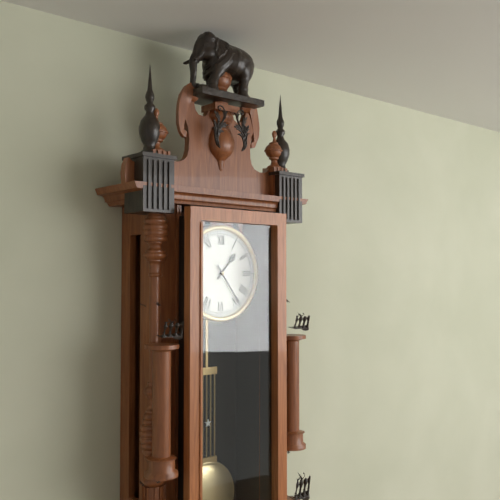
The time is h=1 m=24
